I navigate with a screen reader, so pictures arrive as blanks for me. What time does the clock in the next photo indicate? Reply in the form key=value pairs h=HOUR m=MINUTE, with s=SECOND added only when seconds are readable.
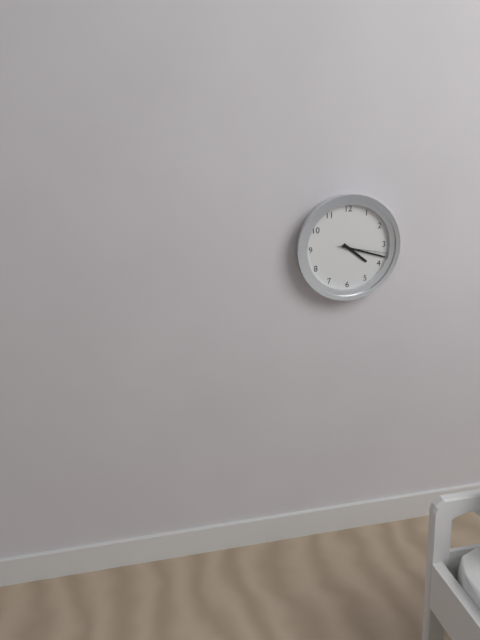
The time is h=4 m=18 s=17
